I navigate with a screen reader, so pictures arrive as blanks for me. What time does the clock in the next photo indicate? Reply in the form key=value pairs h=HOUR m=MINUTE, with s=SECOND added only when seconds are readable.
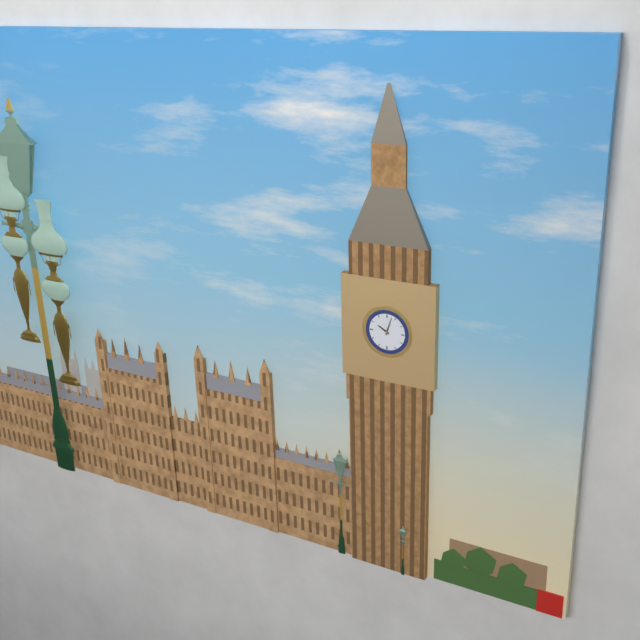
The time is h=10 m=3
